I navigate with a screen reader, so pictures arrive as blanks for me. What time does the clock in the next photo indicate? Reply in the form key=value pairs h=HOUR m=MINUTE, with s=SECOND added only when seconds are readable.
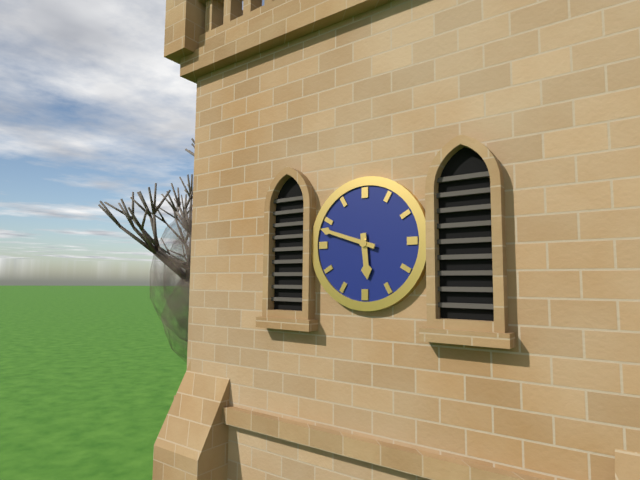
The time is h=5 m=48
